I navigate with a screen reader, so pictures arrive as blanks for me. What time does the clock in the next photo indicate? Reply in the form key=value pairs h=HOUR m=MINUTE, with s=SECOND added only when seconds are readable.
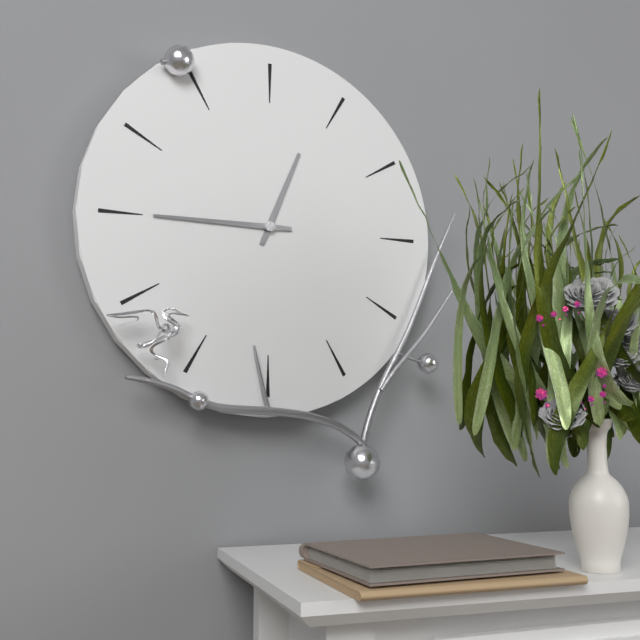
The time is h=12 m=45
